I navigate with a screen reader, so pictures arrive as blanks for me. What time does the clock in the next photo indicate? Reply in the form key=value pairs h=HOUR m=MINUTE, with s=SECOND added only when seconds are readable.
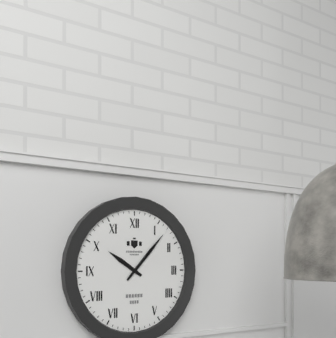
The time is h=10 m=7
